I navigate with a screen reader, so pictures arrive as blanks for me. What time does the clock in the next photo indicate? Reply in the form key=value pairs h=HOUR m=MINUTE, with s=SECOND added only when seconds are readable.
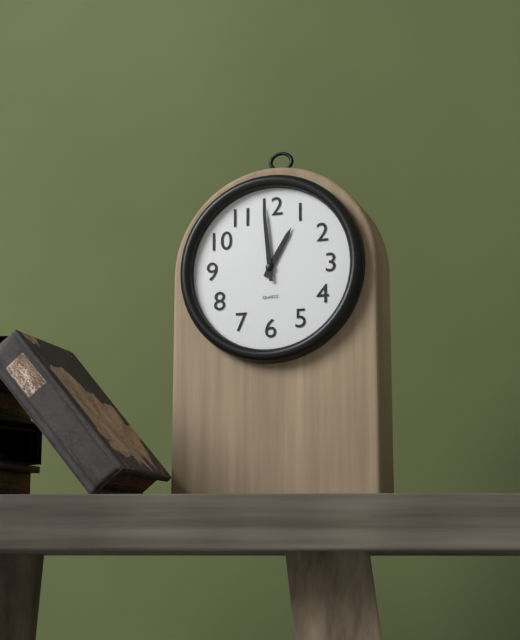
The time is h=12 m=59
